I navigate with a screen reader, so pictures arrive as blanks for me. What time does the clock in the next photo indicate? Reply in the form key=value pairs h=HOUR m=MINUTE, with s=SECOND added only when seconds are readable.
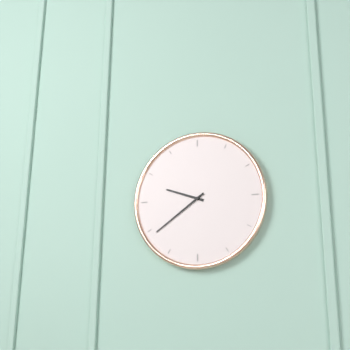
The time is h=9 m=39
